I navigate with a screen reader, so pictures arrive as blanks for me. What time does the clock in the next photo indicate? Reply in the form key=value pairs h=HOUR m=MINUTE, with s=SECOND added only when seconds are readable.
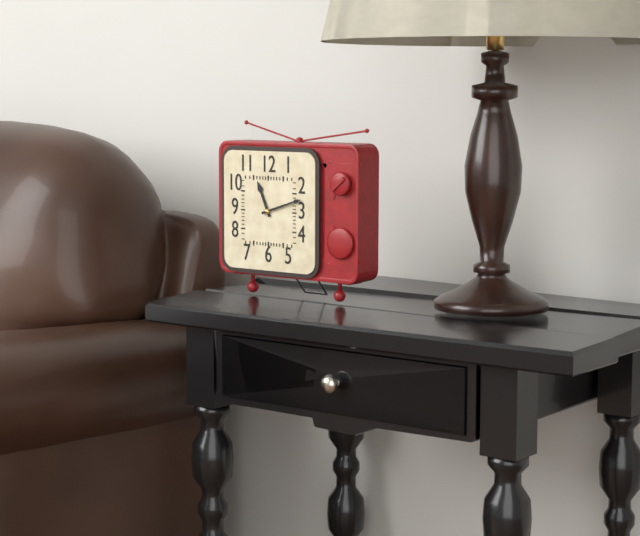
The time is h=11 m=12
